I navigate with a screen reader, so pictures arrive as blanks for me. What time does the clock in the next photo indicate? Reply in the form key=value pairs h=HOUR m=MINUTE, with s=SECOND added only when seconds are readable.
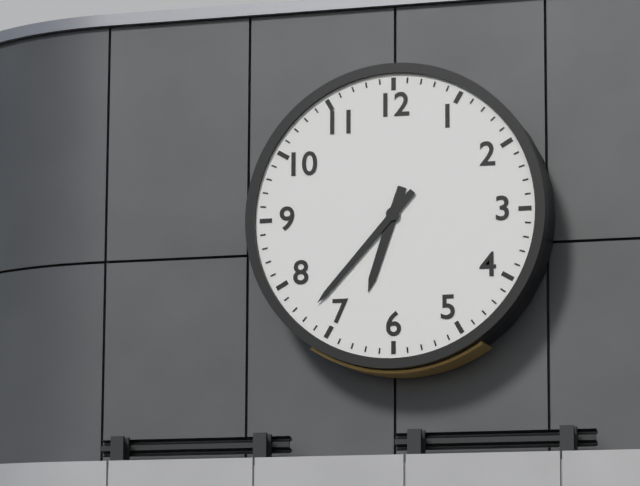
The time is h=6 m=37
